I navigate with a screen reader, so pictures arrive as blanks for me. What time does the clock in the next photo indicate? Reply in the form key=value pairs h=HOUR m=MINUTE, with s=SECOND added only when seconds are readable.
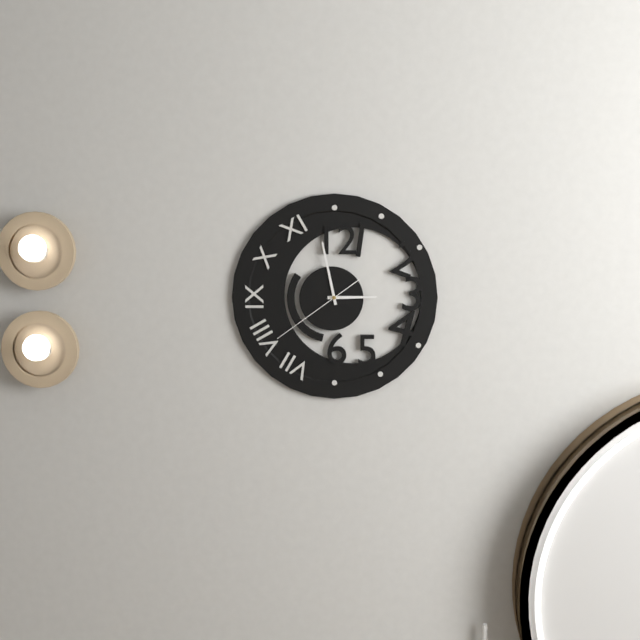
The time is h=2 m=58 s=39
